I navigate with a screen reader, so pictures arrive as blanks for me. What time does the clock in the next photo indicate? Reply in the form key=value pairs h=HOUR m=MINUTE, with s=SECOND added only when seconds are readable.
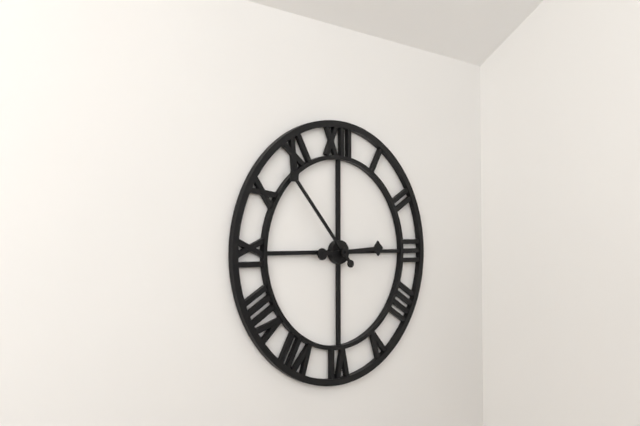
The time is h=2 m=53
